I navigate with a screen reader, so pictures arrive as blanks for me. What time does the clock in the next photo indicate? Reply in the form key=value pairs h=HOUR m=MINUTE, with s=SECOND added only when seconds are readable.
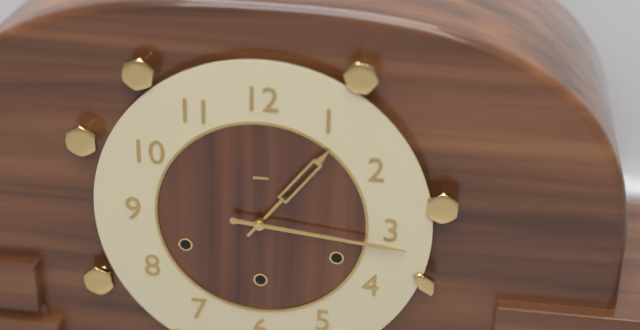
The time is h=1 m=16
